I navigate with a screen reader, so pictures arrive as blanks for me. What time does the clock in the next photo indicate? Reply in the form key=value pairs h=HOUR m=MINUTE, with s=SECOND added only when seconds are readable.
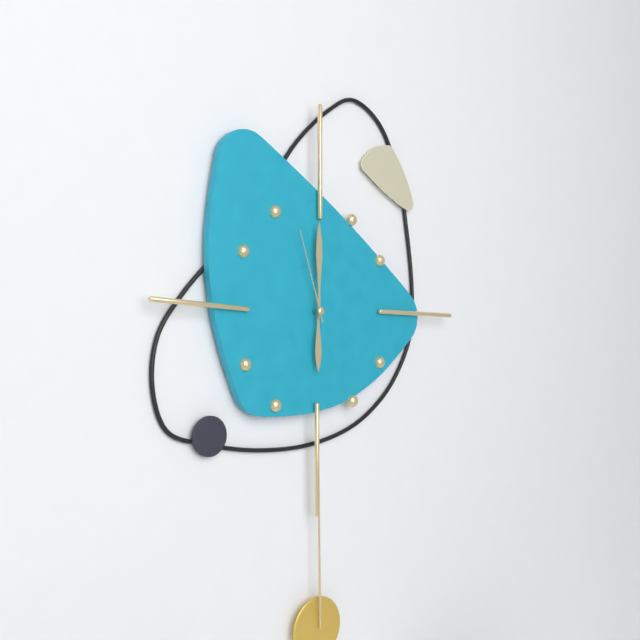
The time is h=6 m=0 s=57
